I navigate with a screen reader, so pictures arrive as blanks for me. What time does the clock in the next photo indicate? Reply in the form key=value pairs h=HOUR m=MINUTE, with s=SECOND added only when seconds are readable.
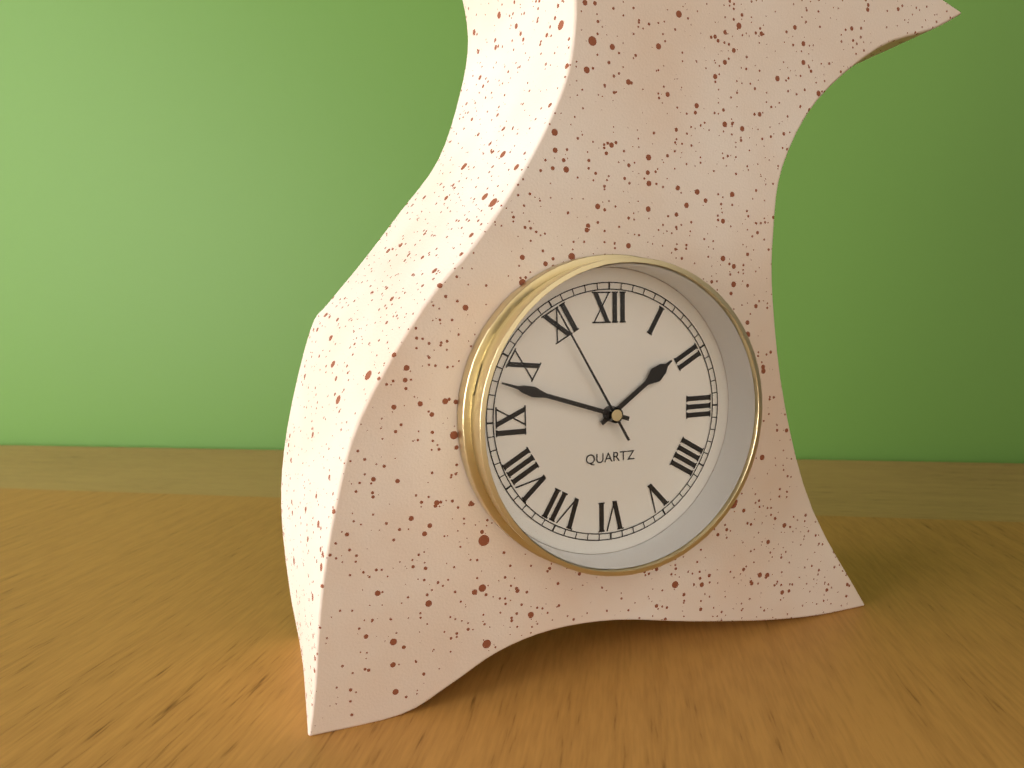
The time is h=1 m=48 s=55
